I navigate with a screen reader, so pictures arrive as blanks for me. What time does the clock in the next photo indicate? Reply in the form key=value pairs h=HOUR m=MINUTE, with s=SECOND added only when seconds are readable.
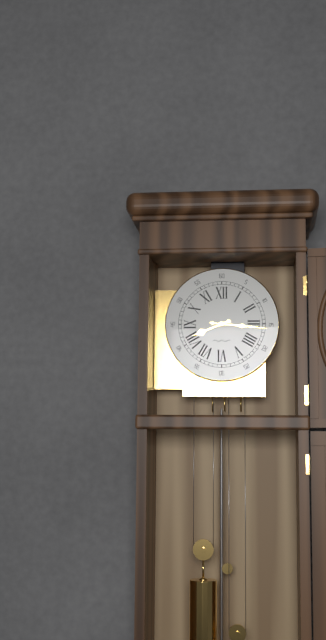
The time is h=8 m=16
